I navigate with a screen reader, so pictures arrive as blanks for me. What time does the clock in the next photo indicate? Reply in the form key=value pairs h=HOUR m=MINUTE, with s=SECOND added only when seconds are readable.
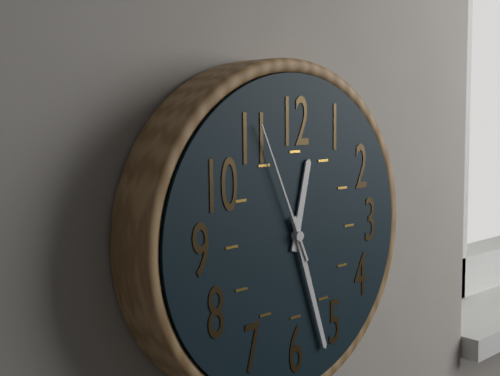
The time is h=12 m=27 s=56
